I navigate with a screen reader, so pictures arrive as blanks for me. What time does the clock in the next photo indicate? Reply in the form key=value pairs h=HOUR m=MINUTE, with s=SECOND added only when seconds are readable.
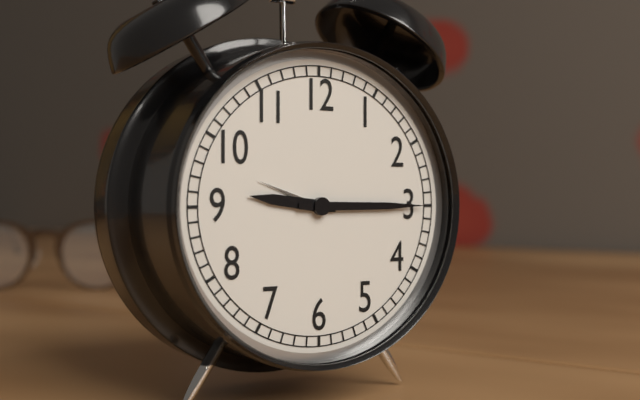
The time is h=9 m=15
